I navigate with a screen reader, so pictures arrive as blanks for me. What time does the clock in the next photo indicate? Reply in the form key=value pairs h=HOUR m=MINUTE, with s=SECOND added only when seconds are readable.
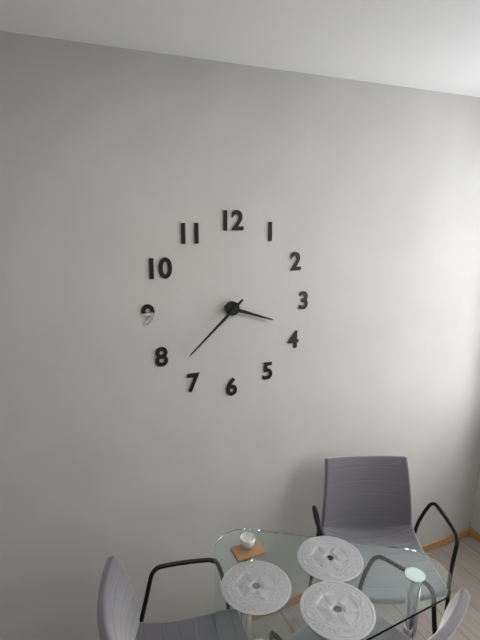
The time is h=3 m=38
